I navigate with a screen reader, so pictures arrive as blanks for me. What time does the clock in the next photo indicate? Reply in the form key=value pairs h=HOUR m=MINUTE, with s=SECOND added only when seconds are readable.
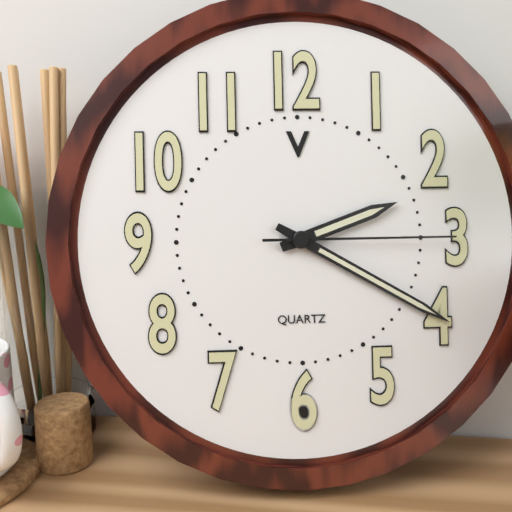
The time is h=2 m=20 s=15
